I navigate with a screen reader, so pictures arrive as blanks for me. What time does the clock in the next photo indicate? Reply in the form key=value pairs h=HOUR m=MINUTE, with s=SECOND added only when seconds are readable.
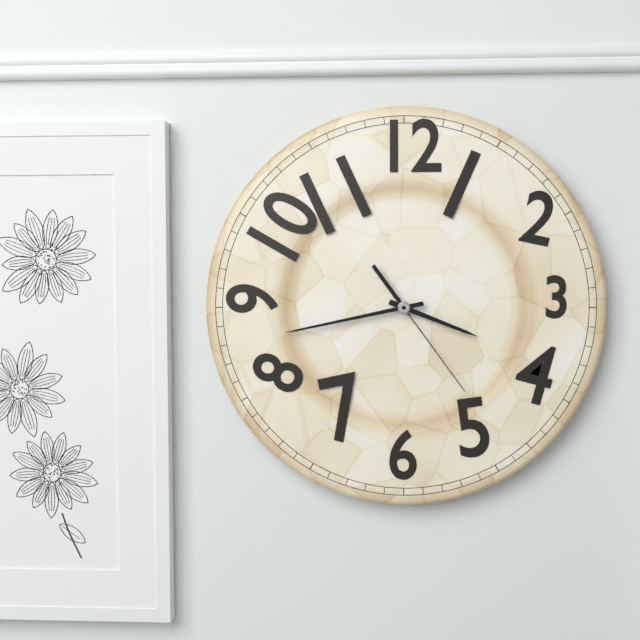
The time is h=3 m=43 s=24
